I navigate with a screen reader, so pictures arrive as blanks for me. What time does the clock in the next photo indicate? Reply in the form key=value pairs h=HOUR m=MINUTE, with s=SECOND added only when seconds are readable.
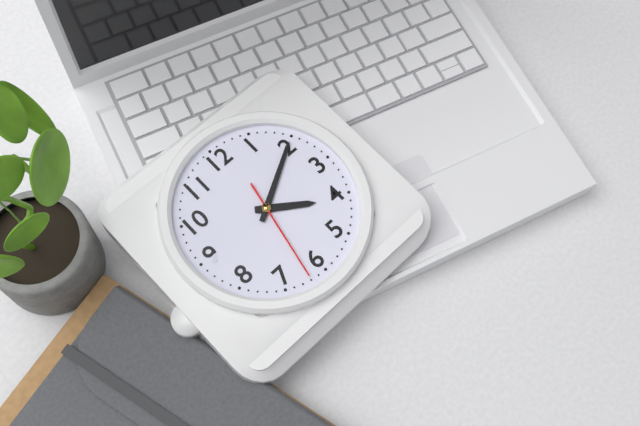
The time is h=4 m=10 s=32
